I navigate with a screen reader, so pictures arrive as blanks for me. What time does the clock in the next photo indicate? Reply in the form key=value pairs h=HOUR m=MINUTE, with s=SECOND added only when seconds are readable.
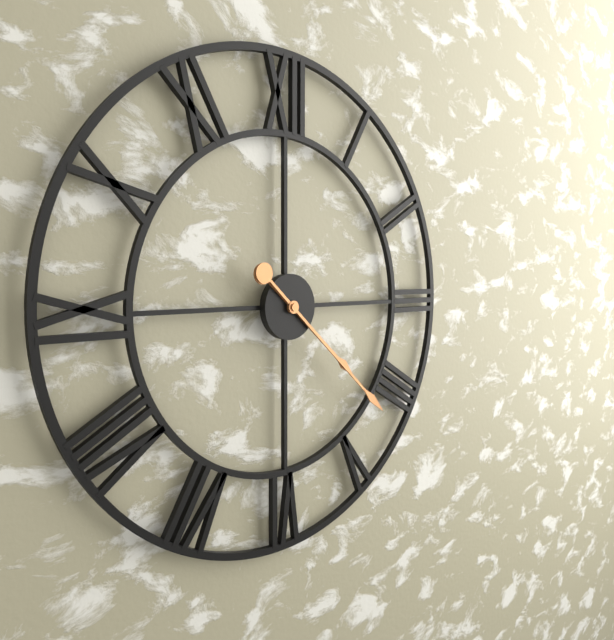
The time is h=4 m=22
